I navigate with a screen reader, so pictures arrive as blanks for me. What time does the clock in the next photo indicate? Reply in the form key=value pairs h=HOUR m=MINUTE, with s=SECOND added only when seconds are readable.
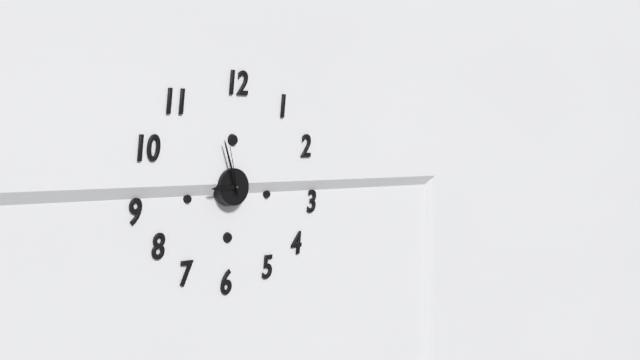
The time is h=8 m=57 s=58
